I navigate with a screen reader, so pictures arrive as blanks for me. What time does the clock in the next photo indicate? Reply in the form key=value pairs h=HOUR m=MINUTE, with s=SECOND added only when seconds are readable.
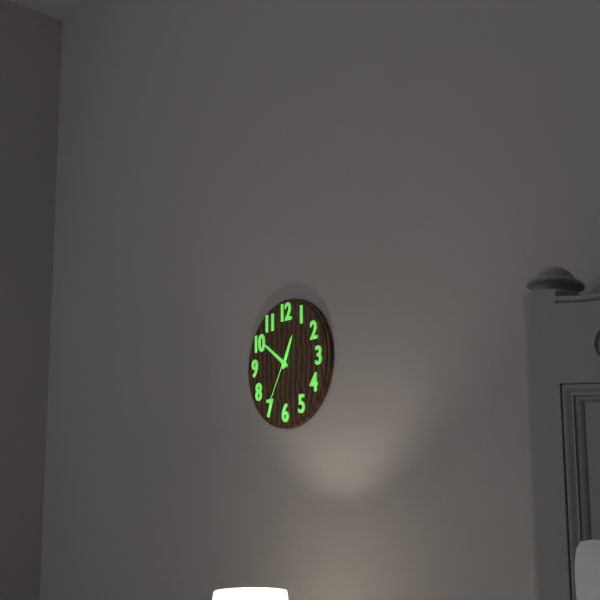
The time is h=12 m=51 s=35
